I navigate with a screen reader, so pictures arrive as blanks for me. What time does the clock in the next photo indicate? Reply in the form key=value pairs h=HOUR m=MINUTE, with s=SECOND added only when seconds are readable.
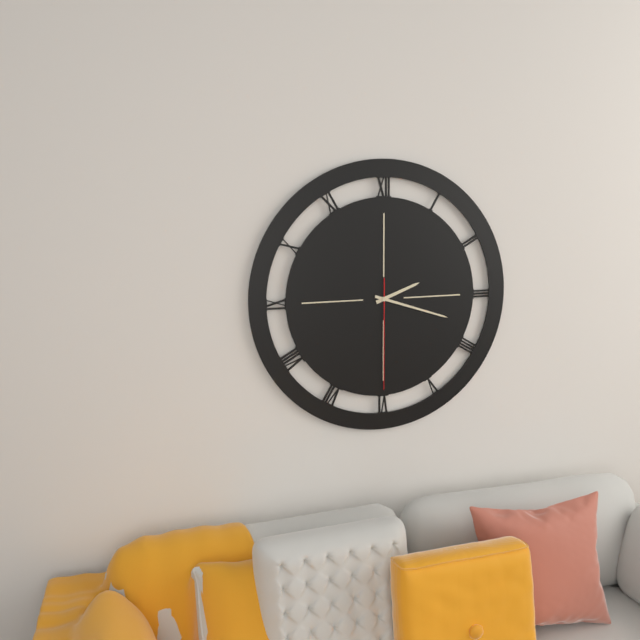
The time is h=2 m=18 s=30
